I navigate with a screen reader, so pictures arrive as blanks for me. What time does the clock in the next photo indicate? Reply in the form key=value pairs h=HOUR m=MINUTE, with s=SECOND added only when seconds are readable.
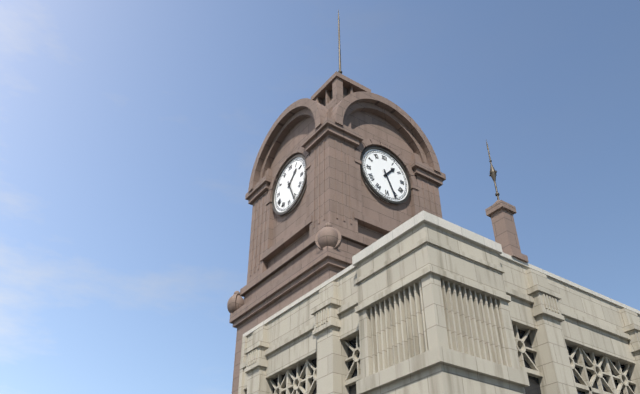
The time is h=1 m=26
